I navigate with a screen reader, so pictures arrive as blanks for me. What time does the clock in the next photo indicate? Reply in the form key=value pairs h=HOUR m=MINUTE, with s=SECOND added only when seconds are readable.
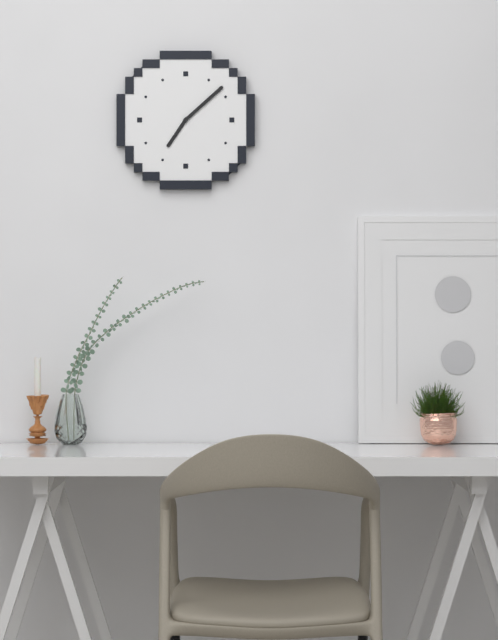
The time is h=7 m=8
